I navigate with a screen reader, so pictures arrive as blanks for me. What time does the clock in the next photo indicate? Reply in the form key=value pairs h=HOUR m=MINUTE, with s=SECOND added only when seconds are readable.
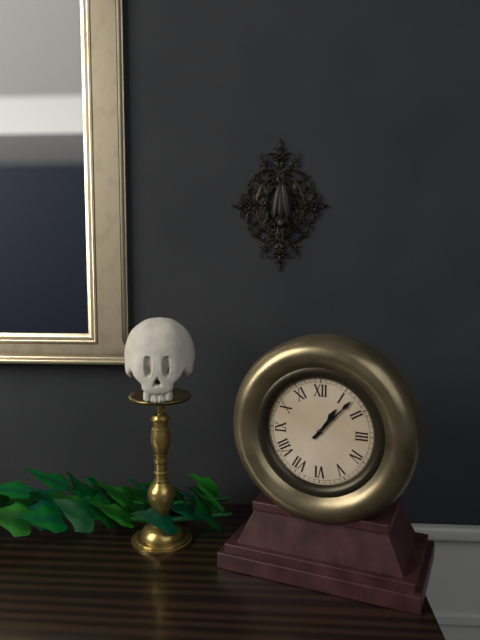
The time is h=1 m=7
